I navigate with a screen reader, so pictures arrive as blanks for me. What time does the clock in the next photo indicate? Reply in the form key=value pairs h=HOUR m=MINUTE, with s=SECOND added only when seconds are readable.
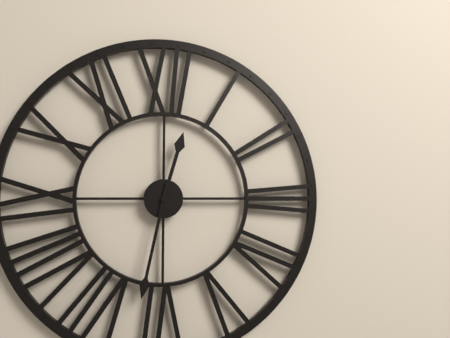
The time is h=12 m=32
